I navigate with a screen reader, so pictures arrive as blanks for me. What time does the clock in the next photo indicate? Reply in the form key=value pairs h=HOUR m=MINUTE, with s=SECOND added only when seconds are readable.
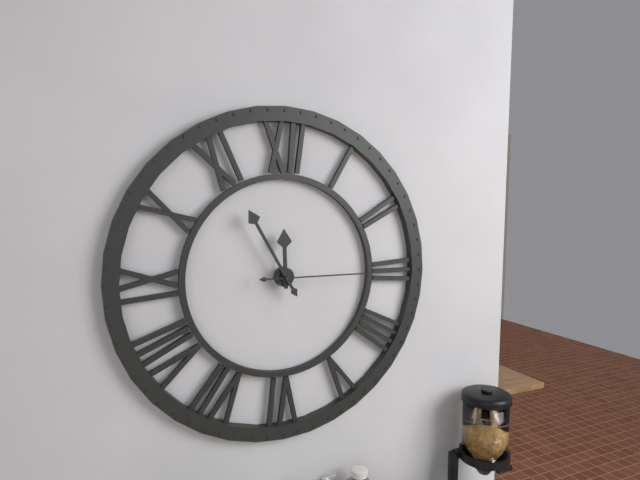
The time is h=11 m=55 s=15
